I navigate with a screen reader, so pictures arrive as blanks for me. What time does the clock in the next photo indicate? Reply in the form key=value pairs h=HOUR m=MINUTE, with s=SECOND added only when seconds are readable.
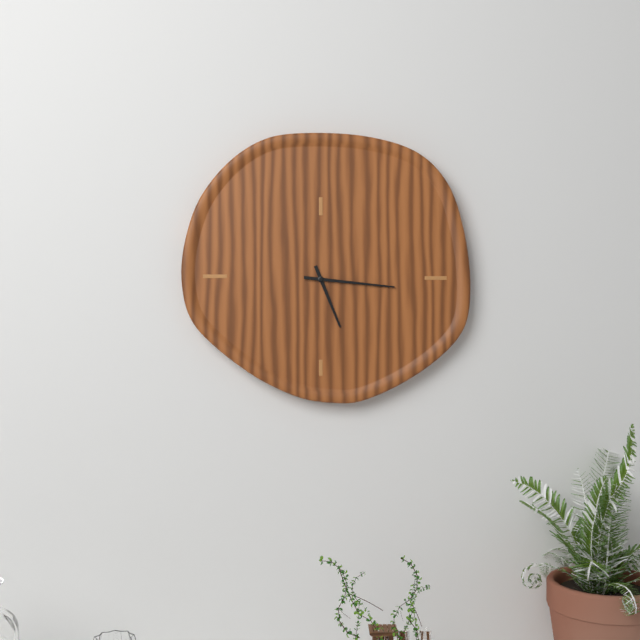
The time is h=5 m=16
